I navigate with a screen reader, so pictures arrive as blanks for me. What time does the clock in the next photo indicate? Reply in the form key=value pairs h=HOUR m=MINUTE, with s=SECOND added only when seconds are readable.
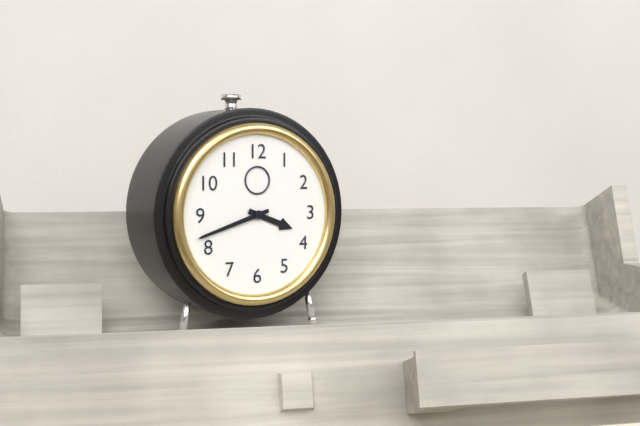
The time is h=3 m=42
